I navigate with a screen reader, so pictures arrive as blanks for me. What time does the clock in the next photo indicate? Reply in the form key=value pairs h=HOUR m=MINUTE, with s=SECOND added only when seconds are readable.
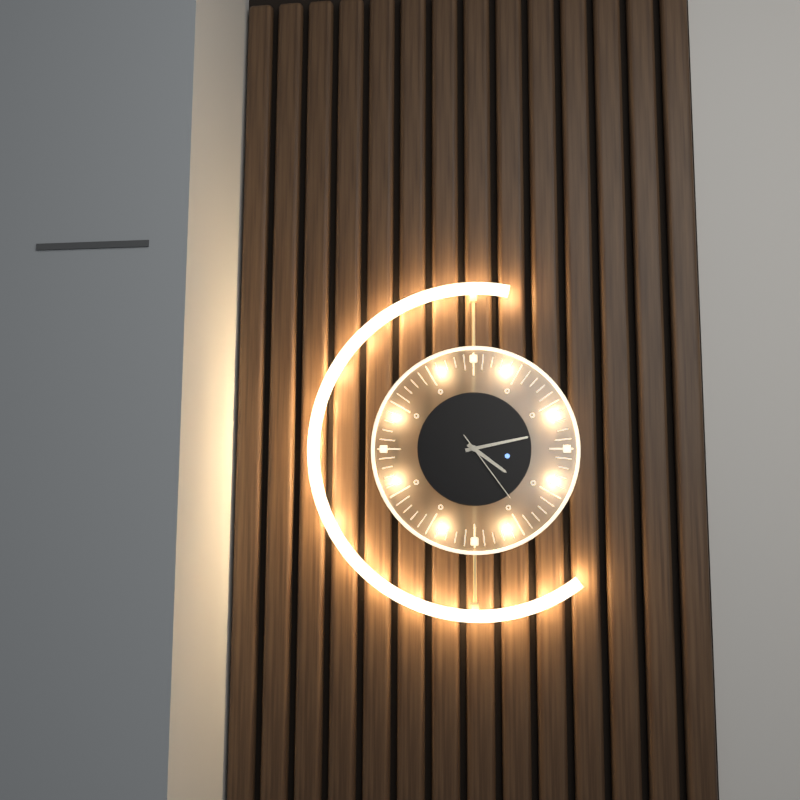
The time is h=4 m=13 s=24
